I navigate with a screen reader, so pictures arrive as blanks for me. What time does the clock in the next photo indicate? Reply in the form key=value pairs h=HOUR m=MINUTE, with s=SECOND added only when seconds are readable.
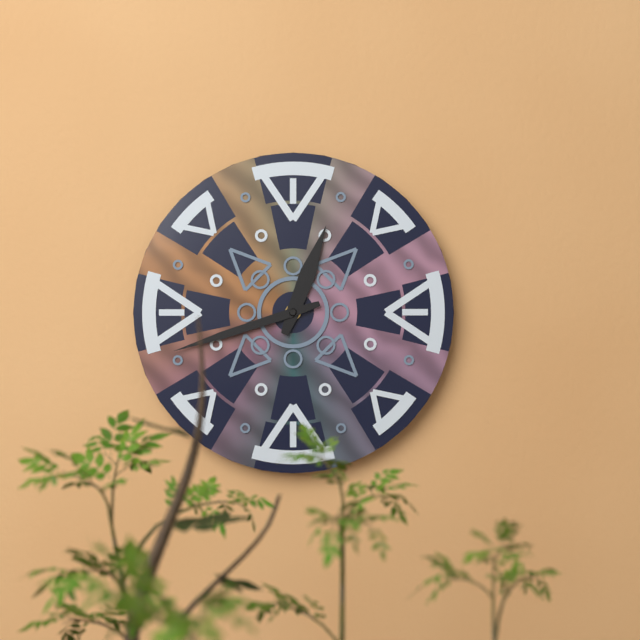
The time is h=12 m=42
